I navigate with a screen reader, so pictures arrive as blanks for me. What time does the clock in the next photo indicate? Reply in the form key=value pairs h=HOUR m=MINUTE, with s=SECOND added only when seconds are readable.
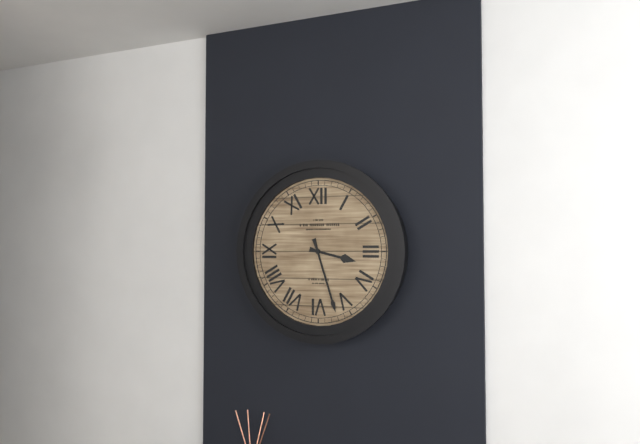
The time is h=3 m=27
